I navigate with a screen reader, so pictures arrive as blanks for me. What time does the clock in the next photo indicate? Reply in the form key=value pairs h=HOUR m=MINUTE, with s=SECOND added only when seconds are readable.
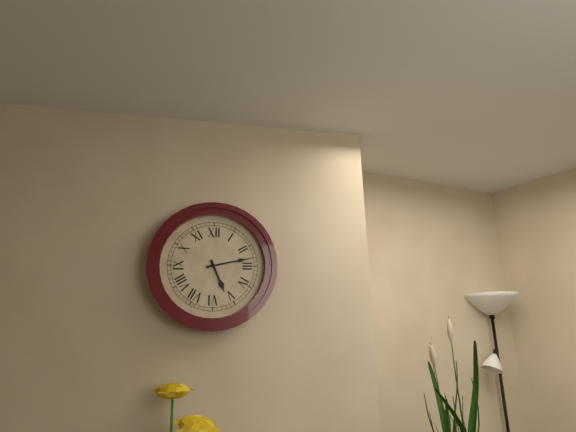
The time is h=5 m=13
